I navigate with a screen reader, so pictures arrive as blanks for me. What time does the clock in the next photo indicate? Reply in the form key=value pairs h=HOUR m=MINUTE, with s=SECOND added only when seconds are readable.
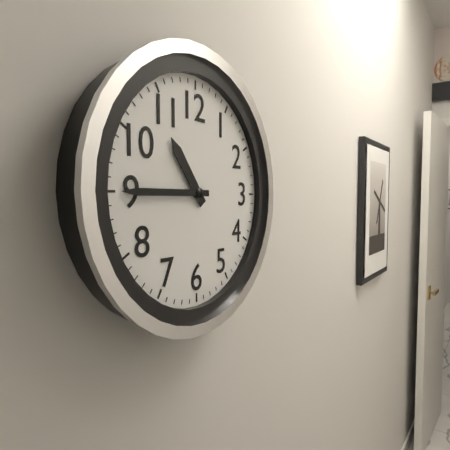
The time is h=10 m=45
